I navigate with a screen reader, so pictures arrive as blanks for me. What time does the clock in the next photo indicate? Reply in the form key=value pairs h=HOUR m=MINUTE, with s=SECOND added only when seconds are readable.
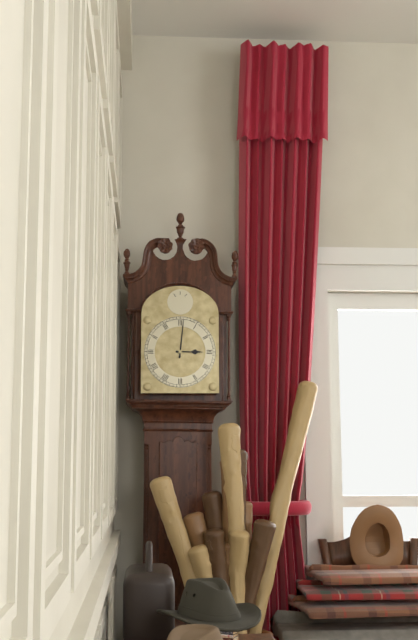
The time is h=3 m=1
